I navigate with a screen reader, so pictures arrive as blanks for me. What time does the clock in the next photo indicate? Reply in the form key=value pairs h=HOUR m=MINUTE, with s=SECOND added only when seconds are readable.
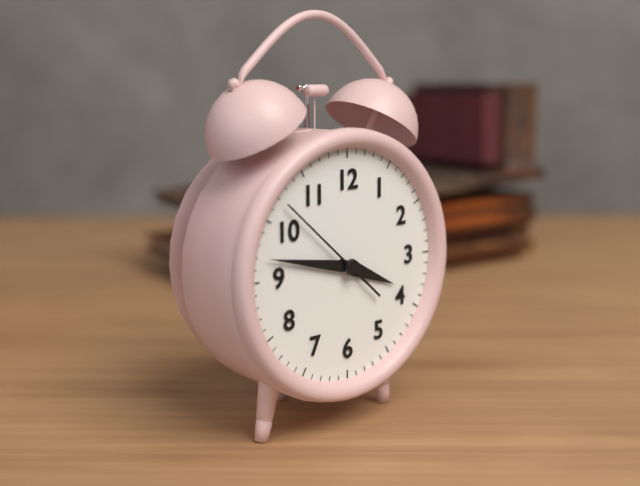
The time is h=3 m=47 s=52
